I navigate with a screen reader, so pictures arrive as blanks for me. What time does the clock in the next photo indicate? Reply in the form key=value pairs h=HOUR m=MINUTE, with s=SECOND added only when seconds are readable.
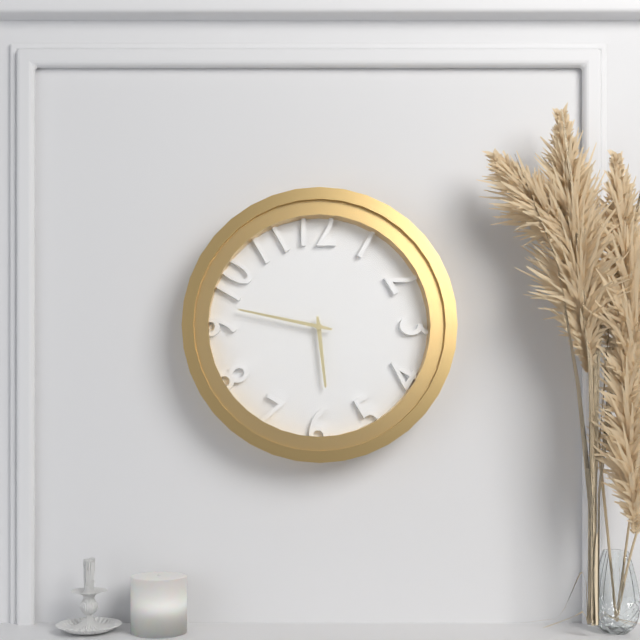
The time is h=5 m=47
